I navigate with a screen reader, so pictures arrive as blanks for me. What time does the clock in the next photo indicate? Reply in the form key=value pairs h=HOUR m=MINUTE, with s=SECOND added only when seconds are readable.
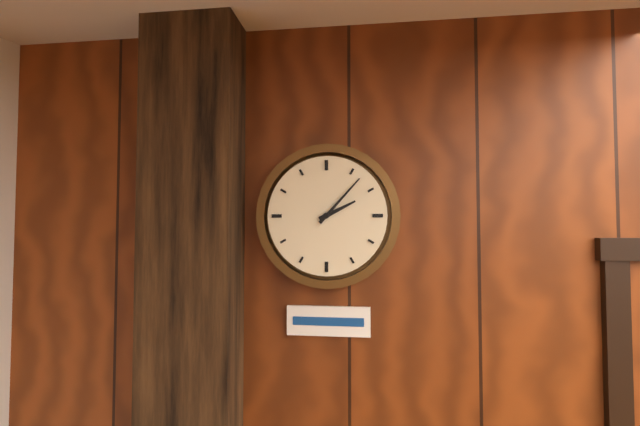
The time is h=2 m=7
